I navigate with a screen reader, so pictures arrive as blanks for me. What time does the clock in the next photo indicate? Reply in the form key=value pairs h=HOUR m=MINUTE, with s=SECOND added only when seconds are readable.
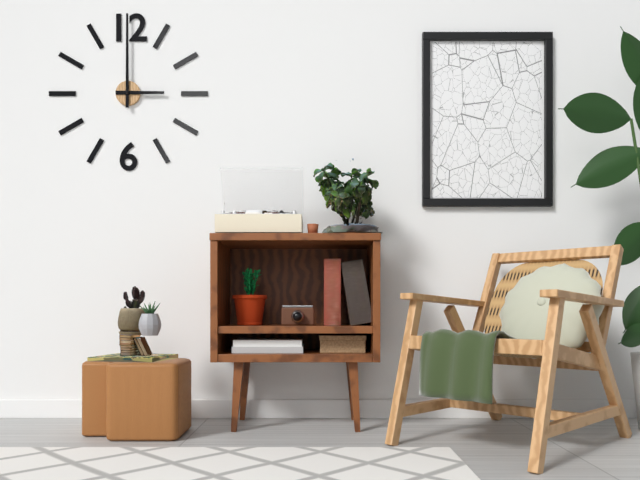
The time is h=3 m=0
